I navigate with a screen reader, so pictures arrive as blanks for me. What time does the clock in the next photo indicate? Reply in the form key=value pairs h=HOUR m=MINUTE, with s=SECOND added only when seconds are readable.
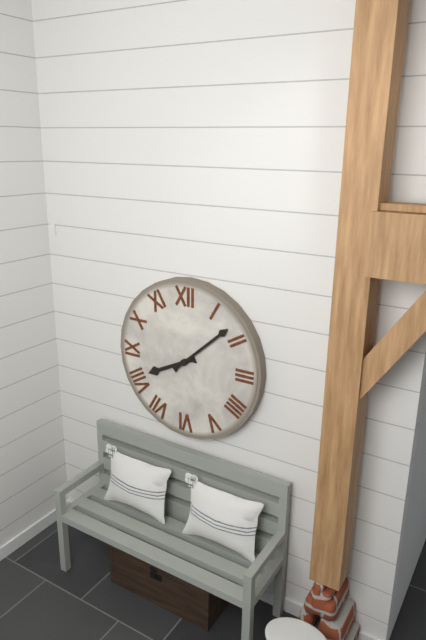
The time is h=8 m=8
